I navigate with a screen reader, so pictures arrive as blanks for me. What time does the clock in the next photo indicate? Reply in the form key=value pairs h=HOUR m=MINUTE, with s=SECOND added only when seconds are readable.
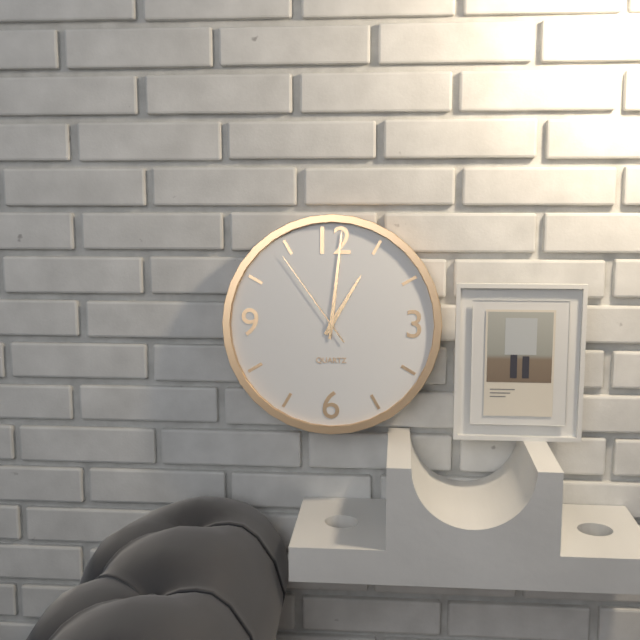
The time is h=1 m=1 s=54
